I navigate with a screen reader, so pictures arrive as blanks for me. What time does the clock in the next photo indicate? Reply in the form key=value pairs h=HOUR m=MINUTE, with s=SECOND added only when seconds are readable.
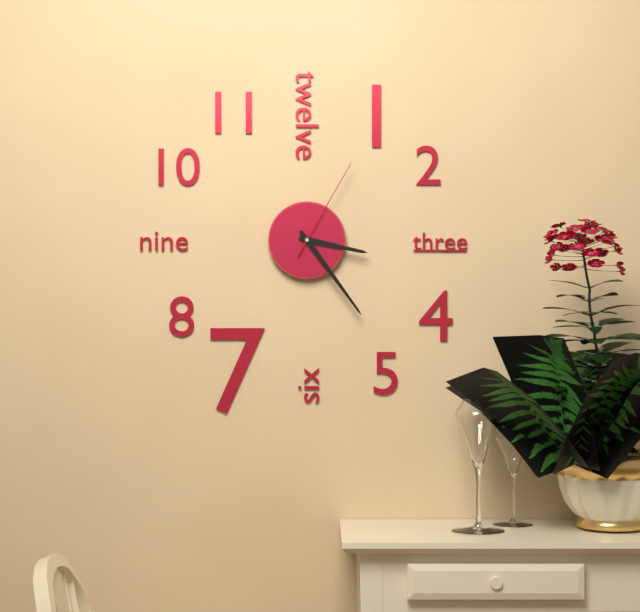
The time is h=3 m=24 s=5
